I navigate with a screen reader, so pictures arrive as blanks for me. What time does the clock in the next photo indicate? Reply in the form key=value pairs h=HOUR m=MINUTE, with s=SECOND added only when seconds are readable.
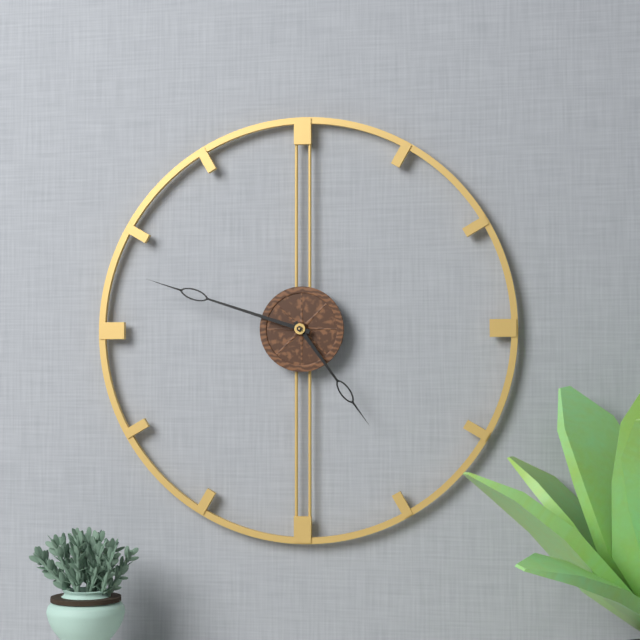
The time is h=4 m=48
